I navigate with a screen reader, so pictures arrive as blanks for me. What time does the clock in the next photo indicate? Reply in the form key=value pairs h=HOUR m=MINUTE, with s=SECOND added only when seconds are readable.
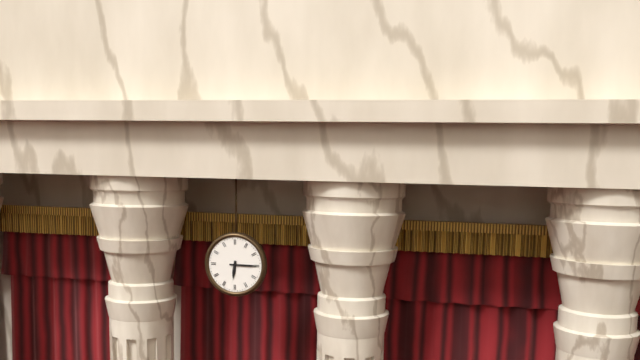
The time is h=6 m=15
